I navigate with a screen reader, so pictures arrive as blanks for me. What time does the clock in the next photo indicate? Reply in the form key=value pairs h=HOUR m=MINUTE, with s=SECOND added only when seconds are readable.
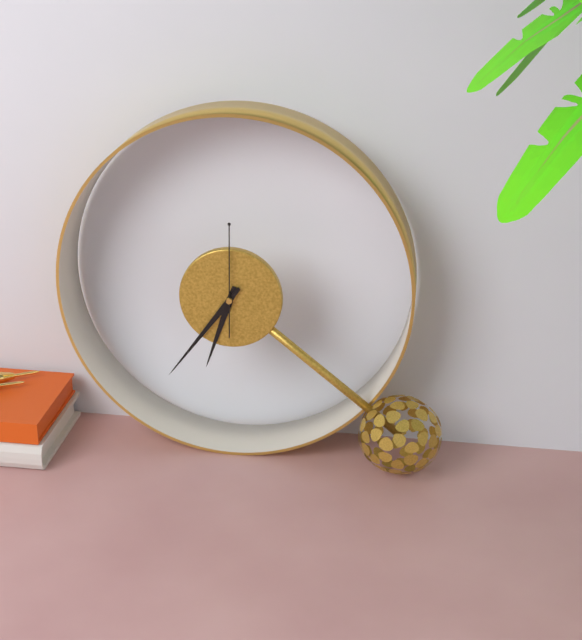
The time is h=6 m=36 s=0
